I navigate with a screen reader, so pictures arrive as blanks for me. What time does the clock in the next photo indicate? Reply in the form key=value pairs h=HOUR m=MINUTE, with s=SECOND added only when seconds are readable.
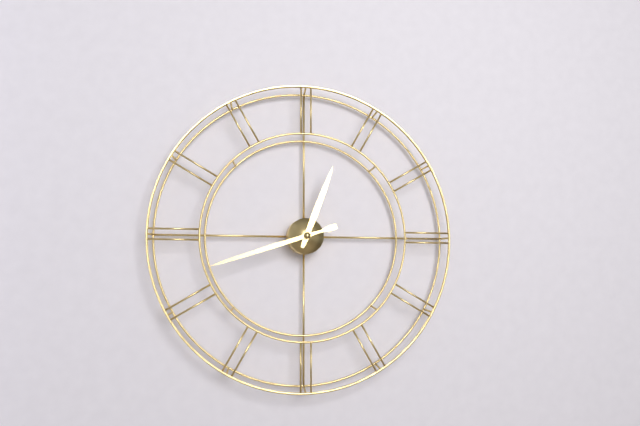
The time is h=12 m=42
